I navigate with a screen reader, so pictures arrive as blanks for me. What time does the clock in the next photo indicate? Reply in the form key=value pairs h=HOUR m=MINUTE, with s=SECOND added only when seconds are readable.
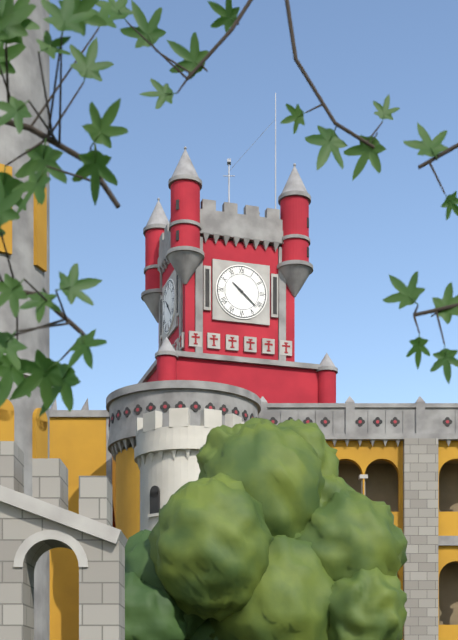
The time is h=10 m=22
